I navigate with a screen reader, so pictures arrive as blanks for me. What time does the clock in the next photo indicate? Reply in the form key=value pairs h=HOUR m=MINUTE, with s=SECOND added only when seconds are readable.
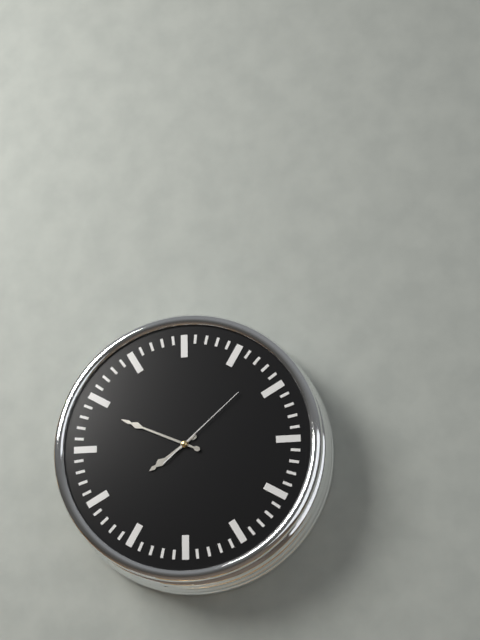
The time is h=7 m=49 s=8
